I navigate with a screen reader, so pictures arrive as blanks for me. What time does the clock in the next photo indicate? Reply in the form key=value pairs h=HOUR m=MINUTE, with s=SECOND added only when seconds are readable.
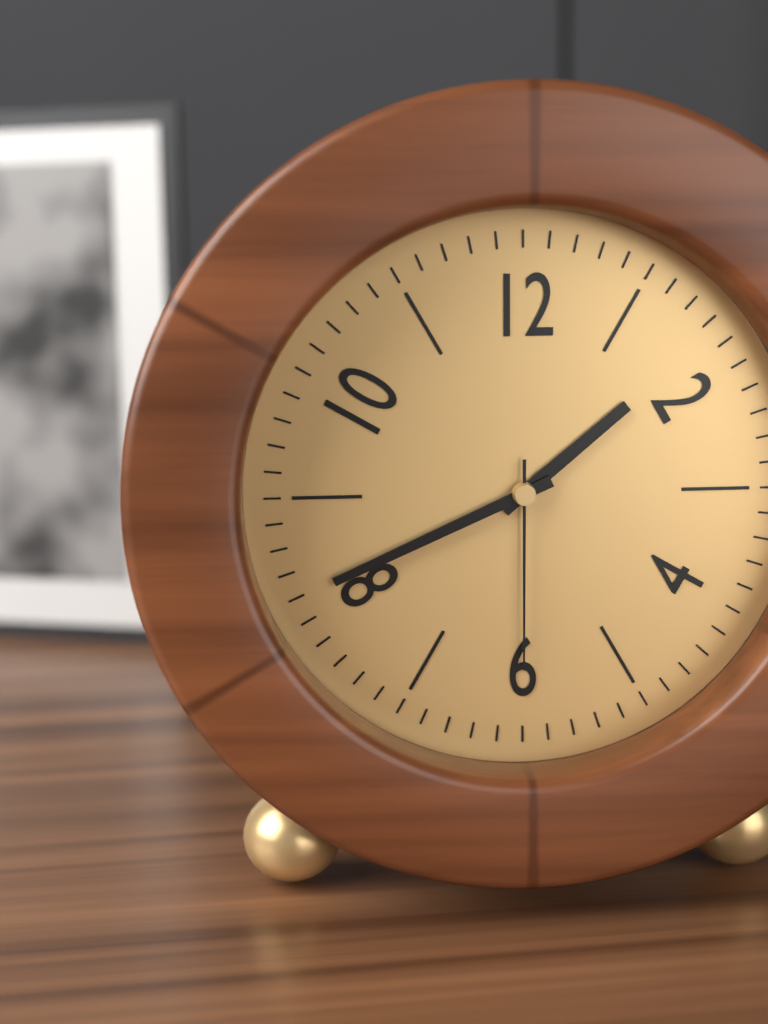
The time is h=1 m=41 s=30
